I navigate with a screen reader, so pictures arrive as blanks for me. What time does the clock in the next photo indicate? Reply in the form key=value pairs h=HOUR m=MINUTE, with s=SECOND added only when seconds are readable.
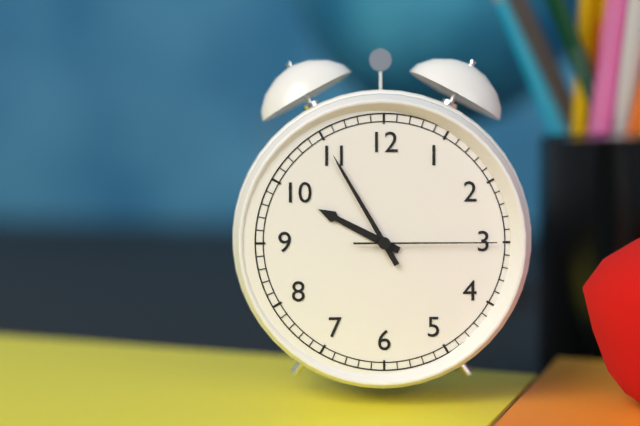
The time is h=9 m=55 s=15
